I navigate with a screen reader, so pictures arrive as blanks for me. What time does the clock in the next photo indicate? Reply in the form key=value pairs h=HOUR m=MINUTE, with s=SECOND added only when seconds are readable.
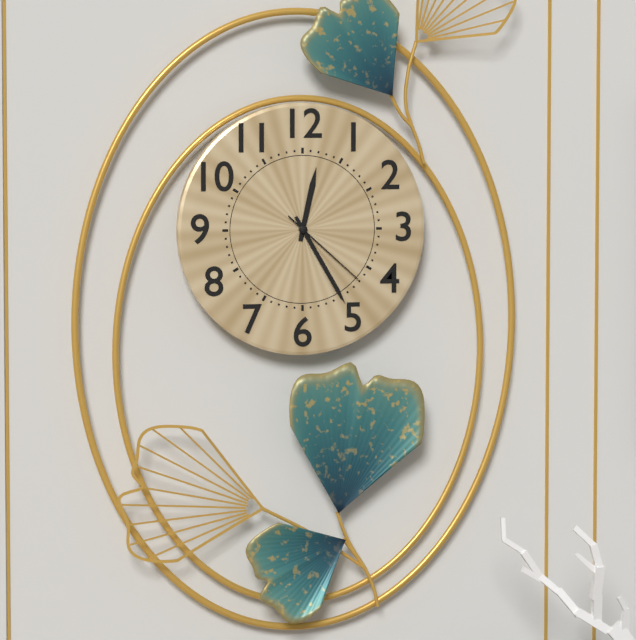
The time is h=12 m=25 s=22
